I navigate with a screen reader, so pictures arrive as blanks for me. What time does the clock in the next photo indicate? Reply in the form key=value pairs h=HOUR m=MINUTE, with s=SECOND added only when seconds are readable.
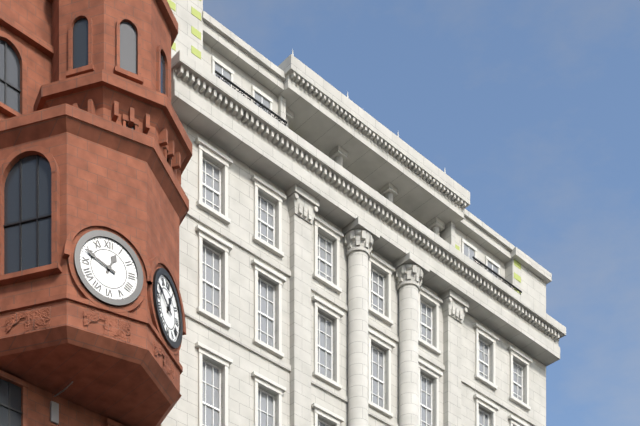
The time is h=12 m=49
